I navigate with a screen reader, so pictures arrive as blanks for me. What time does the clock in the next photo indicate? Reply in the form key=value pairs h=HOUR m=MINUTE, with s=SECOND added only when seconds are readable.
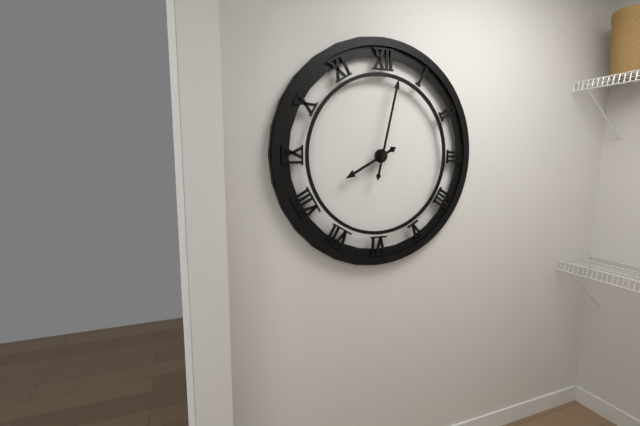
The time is h=8 m=2
